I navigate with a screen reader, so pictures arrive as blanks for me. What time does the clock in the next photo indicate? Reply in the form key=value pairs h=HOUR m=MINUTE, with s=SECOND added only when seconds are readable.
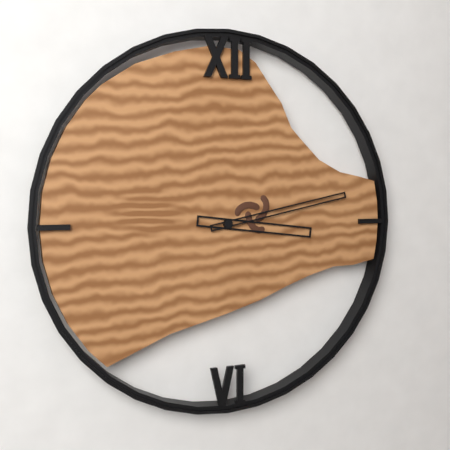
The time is h=3 m=13
